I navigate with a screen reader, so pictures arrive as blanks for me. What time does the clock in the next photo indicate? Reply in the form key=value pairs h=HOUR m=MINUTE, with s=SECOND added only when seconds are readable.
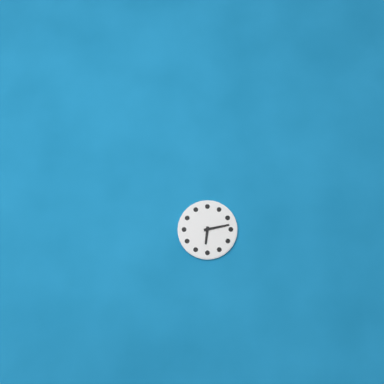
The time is h=6 m=13
